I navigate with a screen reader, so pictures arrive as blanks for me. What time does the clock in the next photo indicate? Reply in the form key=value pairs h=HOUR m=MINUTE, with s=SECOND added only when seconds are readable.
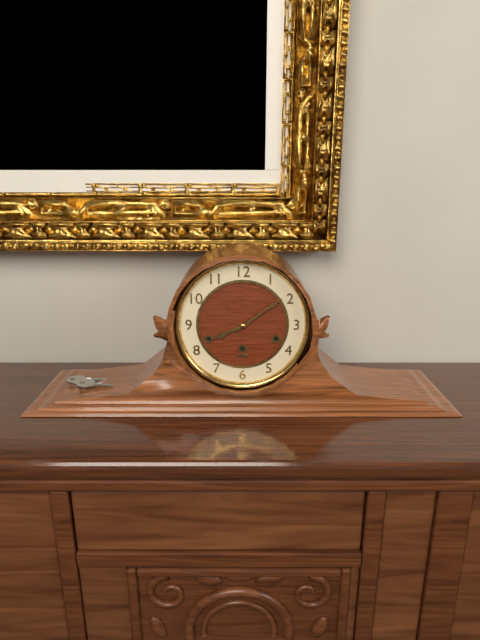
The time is h=8 m=9
